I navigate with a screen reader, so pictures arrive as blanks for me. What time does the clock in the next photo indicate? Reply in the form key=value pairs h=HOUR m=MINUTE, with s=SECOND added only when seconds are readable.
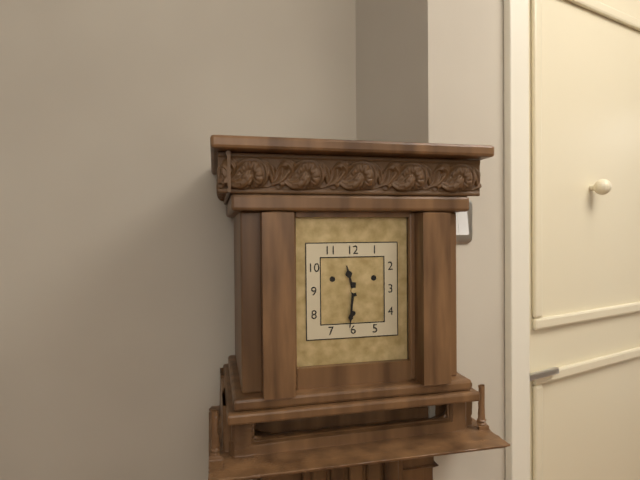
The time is h=11 m=31
